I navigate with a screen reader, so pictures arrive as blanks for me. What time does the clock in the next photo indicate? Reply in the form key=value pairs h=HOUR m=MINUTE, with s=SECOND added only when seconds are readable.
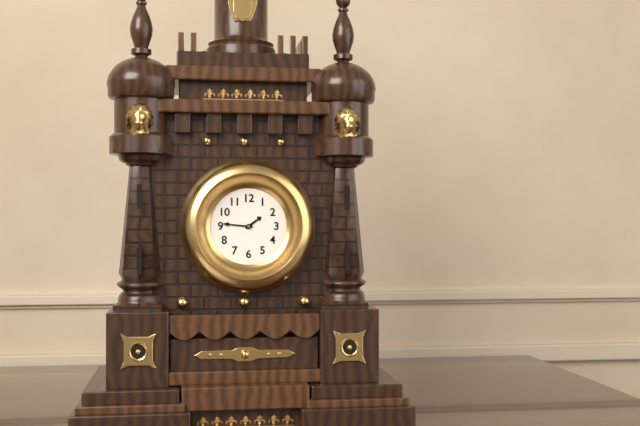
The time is h=1 m=46
